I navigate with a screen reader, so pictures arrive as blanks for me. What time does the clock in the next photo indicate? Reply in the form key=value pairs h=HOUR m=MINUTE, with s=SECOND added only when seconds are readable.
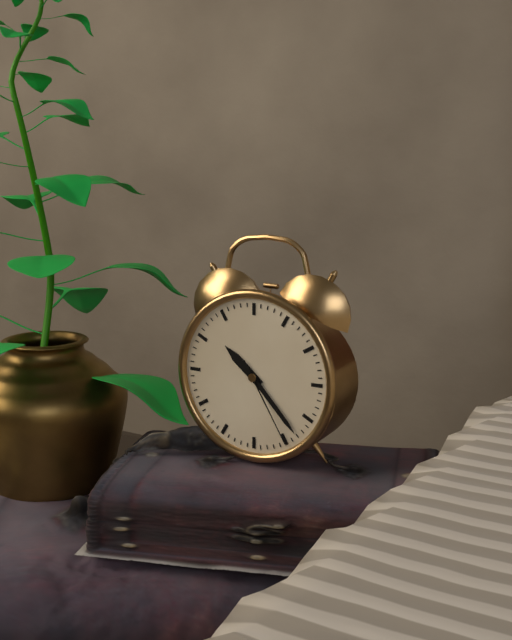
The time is h=10 m=23 s=25
